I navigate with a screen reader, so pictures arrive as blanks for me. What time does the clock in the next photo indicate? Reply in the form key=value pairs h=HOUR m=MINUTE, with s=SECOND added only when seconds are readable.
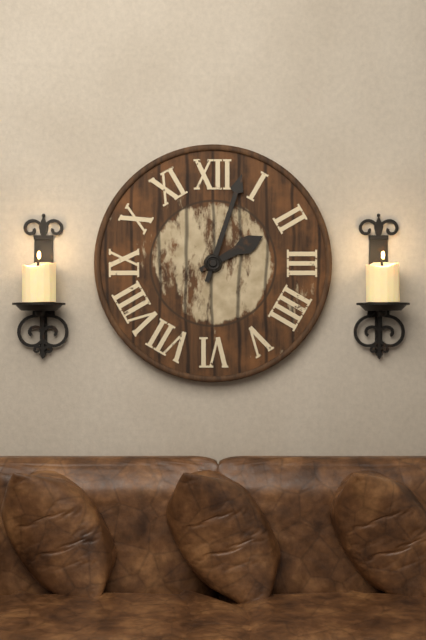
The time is h=2 m=3
